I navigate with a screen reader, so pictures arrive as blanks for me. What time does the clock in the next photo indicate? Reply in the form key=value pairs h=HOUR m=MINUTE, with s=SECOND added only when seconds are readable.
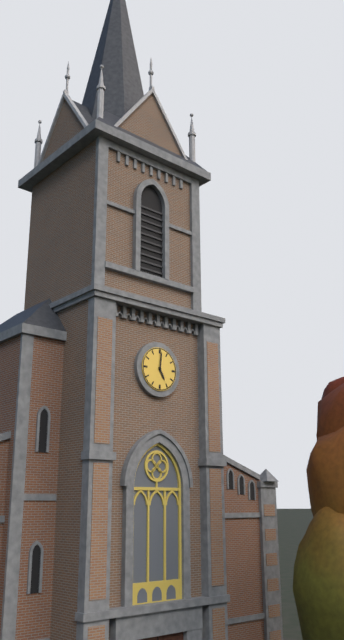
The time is h=5 m=1
